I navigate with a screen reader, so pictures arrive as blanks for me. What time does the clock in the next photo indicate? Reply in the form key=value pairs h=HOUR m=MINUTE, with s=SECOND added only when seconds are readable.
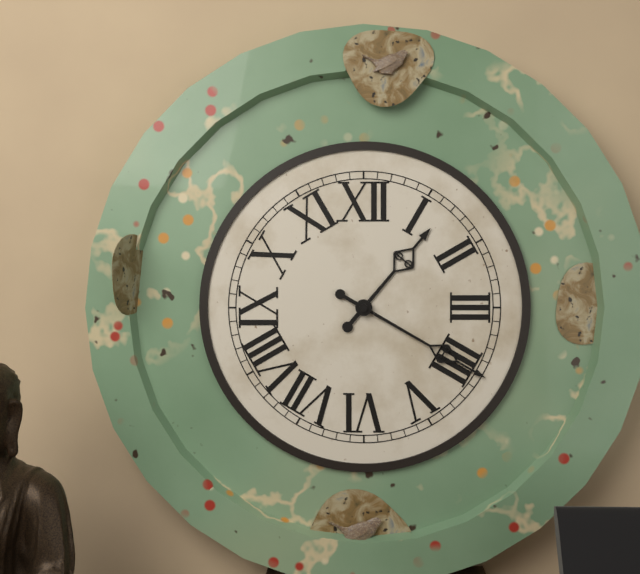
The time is h=1 m=20
